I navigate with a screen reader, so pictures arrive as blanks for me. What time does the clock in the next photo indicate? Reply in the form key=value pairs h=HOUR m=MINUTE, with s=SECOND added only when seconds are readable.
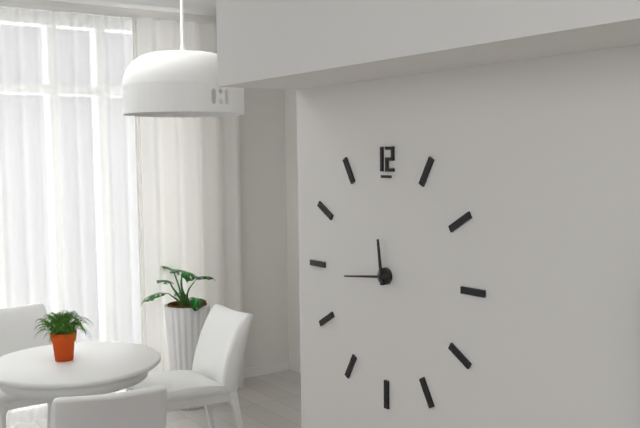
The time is h=11 m=44
